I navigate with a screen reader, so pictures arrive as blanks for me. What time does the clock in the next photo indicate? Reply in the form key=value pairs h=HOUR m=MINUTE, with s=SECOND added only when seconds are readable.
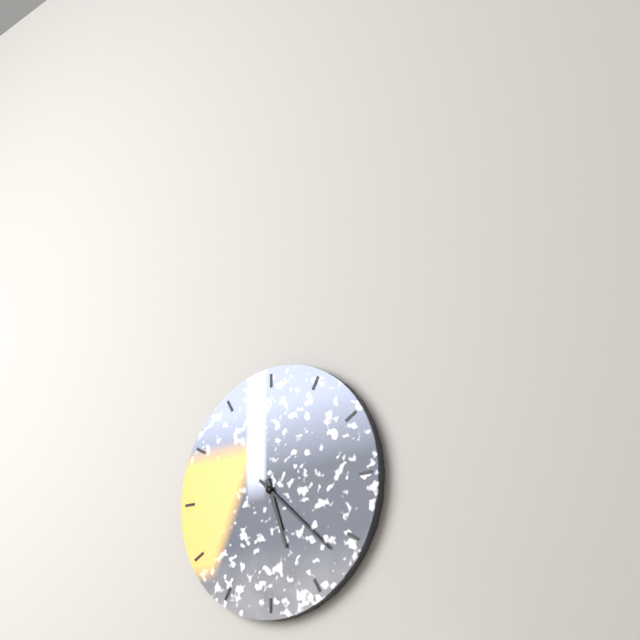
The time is h=5 m=22
